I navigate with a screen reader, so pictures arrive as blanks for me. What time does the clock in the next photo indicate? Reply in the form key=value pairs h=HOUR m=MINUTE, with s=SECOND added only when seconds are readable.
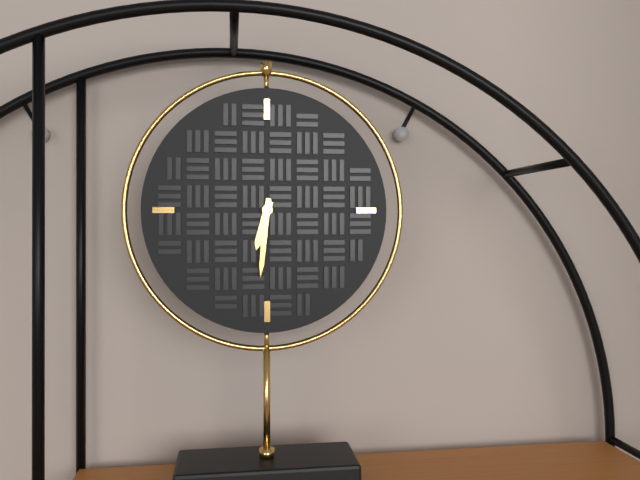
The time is h=6 m=31
